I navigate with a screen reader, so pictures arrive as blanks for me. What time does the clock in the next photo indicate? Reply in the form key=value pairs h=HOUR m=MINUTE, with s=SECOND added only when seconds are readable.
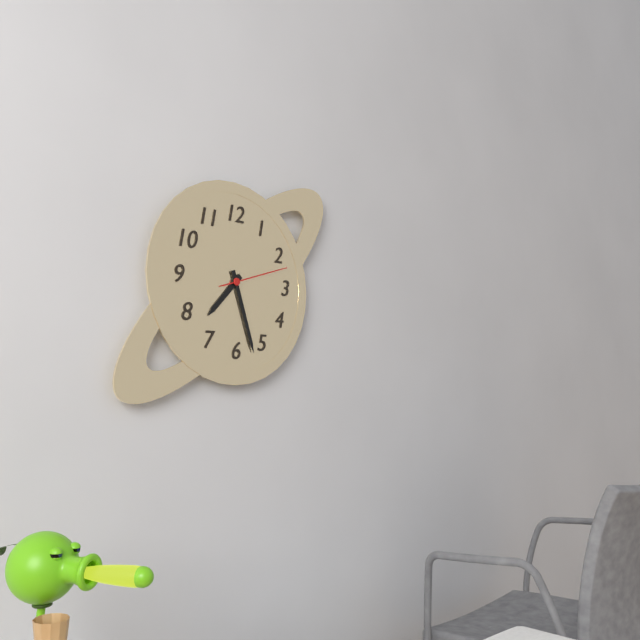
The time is h=7 m=27 s=12
